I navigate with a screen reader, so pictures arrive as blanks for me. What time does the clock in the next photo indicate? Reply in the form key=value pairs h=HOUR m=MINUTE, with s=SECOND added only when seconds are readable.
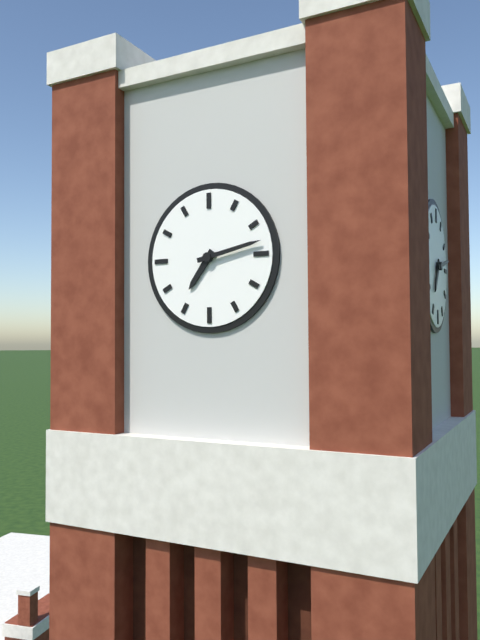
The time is h=7 m=13
